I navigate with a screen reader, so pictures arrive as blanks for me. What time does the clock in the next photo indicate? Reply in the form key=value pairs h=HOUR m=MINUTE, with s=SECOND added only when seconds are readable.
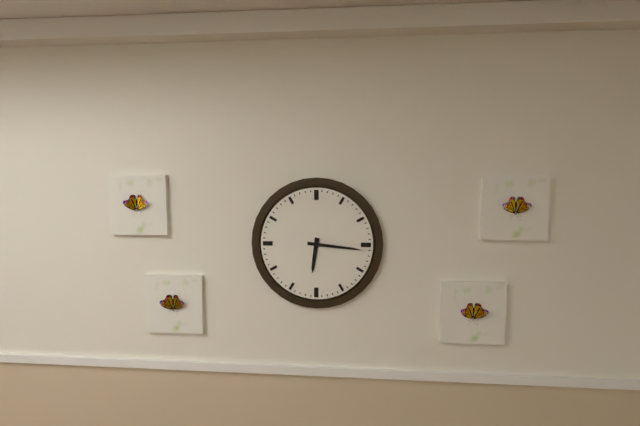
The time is h=6 m=16
